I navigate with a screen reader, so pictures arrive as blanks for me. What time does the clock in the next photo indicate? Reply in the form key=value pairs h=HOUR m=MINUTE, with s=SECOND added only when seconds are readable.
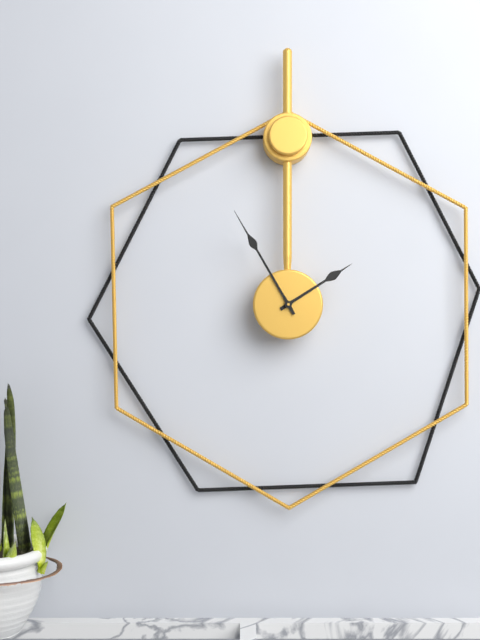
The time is h=1 m=55
